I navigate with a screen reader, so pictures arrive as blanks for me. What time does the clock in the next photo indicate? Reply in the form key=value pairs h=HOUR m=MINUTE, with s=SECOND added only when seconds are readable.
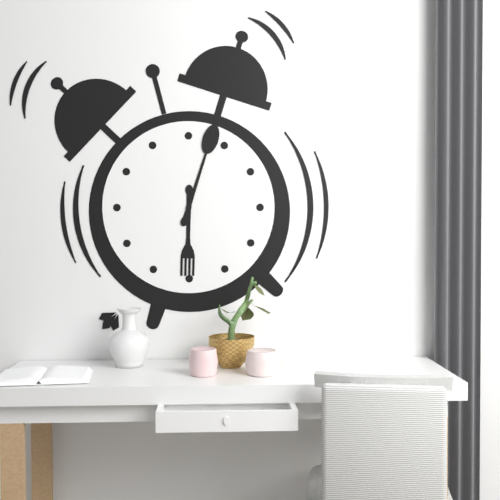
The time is h=6 m=3
